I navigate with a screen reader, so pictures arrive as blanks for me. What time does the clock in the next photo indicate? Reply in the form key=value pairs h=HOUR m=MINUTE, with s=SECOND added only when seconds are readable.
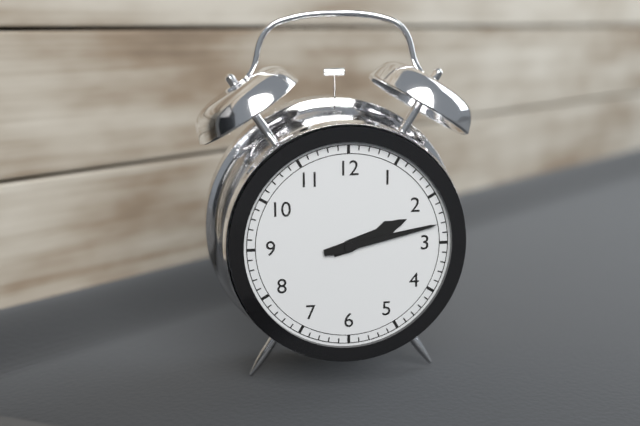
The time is h=2 m=13
